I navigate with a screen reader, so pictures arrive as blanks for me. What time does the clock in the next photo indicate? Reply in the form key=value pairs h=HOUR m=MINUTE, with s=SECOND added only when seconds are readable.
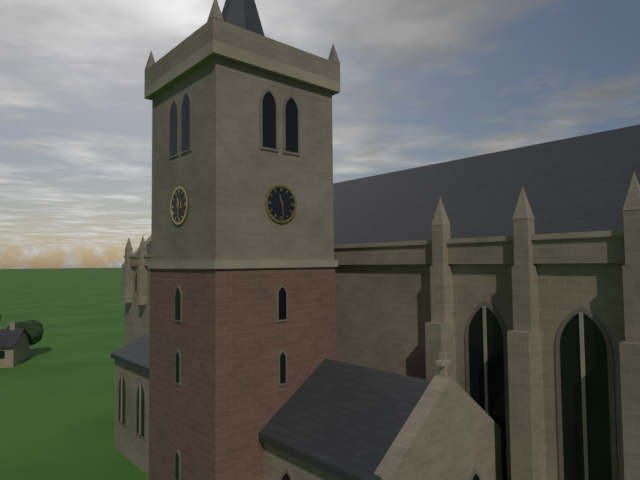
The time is h=11 m=29
